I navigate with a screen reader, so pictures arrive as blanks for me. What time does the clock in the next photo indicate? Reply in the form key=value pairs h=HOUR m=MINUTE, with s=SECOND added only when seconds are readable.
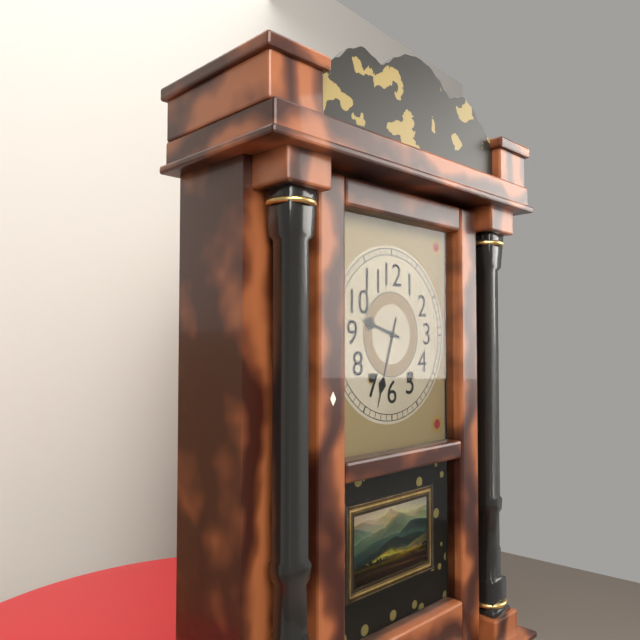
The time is h=9 m=33
